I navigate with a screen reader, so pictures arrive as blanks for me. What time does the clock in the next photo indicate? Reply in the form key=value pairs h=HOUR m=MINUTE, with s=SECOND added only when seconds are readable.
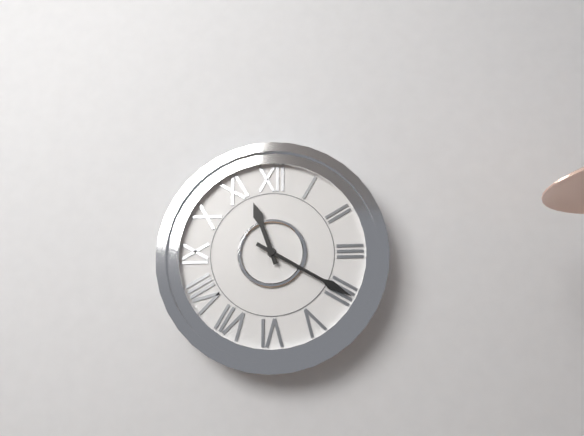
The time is h=11 m=20
